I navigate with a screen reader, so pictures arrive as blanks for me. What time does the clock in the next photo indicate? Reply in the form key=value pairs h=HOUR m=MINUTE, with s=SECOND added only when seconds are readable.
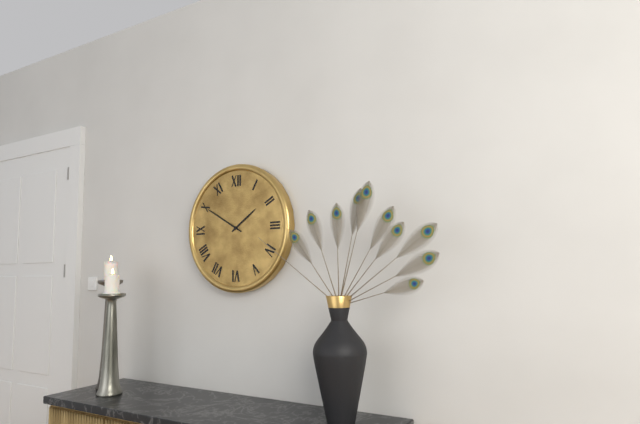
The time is h=1 m=50
